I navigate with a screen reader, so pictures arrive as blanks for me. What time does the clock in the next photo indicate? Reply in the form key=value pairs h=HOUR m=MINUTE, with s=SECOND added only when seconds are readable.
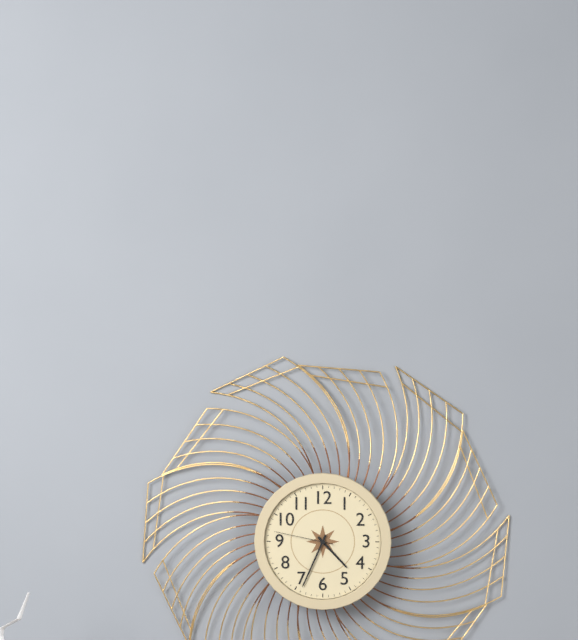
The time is h=4 m=34 s=47
